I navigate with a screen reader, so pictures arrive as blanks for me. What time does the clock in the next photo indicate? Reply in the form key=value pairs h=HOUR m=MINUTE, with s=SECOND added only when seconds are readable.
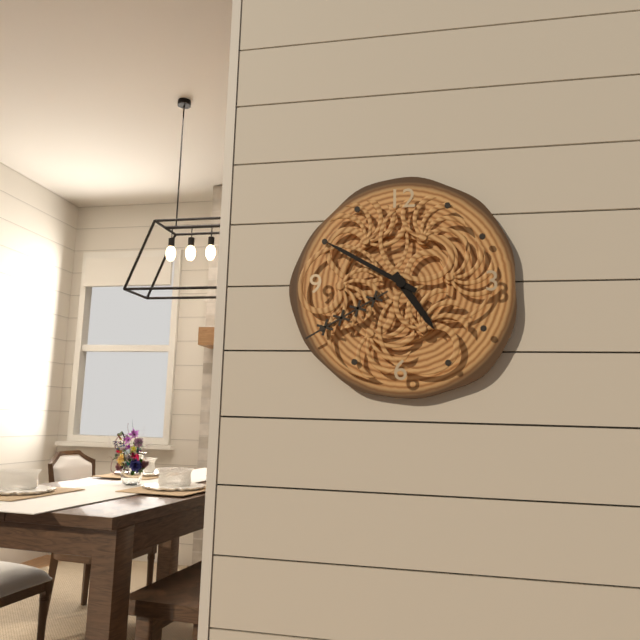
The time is h=4 m=50
